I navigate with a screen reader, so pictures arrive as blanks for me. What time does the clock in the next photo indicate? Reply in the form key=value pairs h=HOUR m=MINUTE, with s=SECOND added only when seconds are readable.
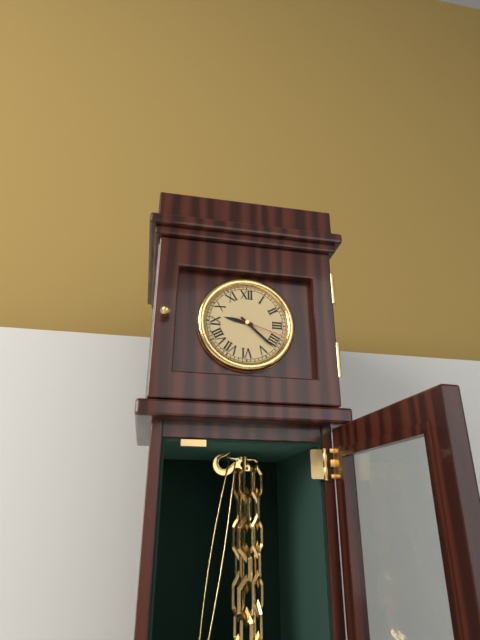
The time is h=9 m=22
